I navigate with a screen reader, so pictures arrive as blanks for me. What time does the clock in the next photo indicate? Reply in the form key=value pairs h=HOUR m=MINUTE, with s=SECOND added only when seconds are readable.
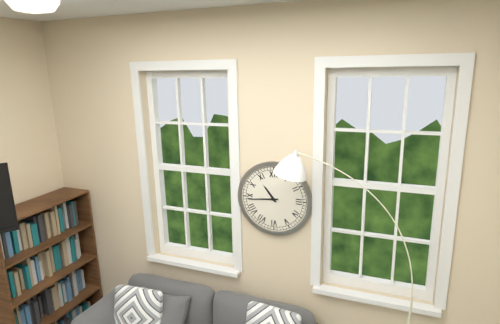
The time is h=10 m=44
